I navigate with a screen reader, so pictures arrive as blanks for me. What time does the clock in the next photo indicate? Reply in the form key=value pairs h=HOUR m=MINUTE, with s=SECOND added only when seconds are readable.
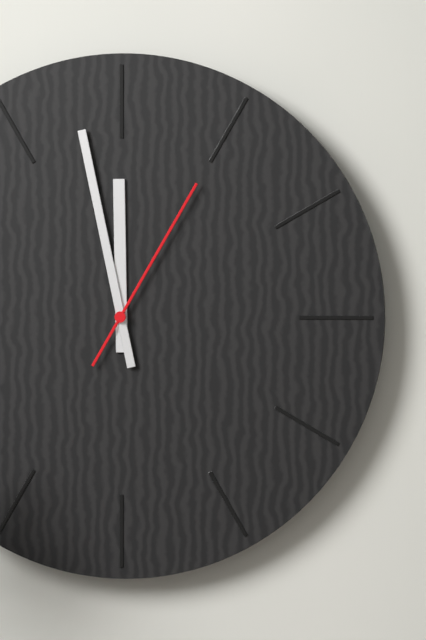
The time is h=11 m=58 s=5
